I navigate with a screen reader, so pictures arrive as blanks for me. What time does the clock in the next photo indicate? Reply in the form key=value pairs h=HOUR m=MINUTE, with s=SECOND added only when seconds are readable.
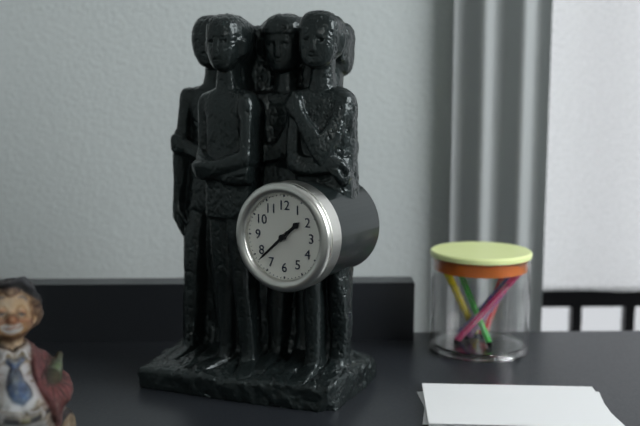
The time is h=1 m=38
